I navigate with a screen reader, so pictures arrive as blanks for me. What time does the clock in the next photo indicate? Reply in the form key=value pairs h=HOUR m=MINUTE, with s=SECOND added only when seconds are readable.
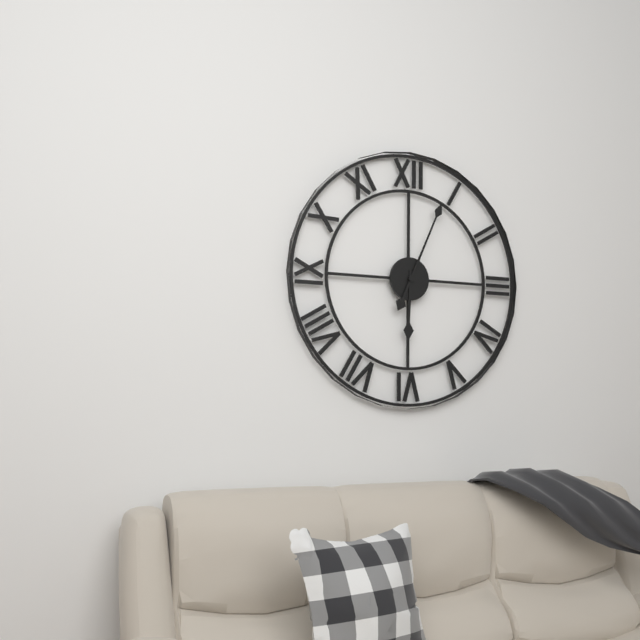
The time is h=6 m=4
